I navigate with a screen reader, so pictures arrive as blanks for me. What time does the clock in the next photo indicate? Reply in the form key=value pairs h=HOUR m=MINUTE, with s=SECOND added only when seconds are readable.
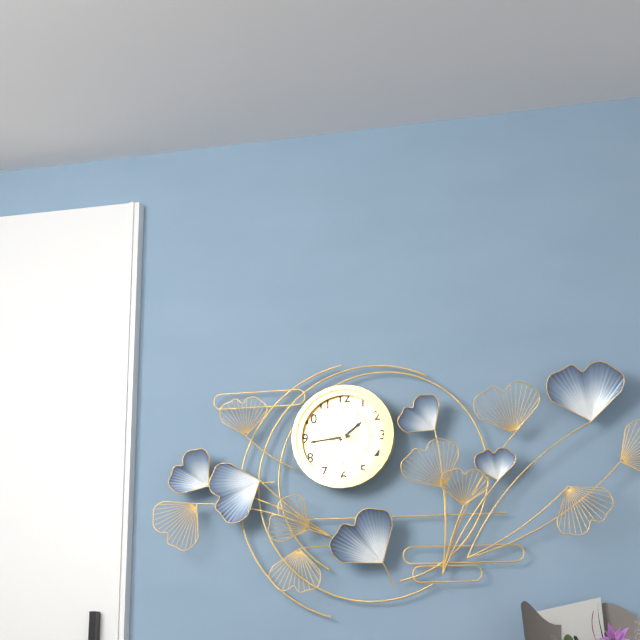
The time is h=1 m=44
